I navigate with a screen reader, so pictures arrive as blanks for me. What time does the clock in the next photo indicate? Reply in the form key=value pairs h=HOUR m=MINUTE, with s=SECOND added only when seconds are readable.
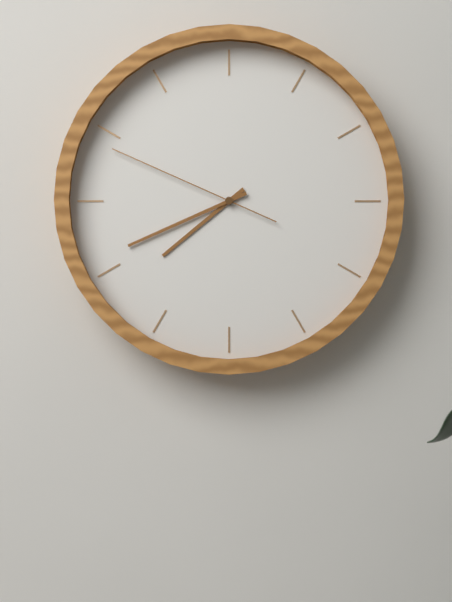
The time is h=7 m=41 s=49
